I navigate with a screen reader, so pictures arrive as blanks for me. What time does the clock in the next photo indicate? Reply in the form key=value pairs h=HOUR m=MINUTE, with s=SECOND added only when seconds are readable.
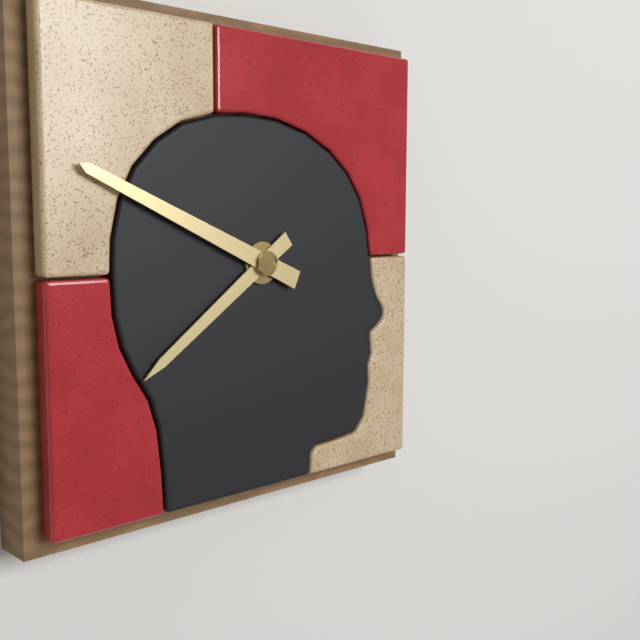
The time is h=7 m=49
